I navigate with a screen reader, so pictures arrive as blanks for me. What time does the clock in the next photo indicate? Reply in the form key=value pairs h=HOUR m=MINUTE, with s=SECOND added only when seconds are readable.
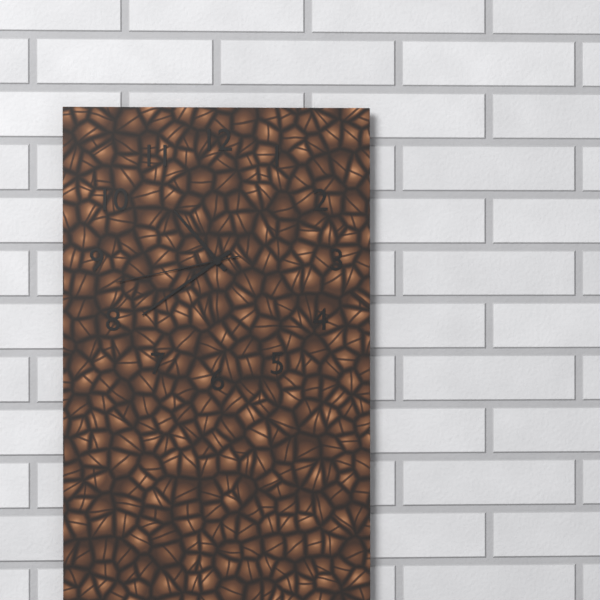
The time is h=10 m=39 s=43
